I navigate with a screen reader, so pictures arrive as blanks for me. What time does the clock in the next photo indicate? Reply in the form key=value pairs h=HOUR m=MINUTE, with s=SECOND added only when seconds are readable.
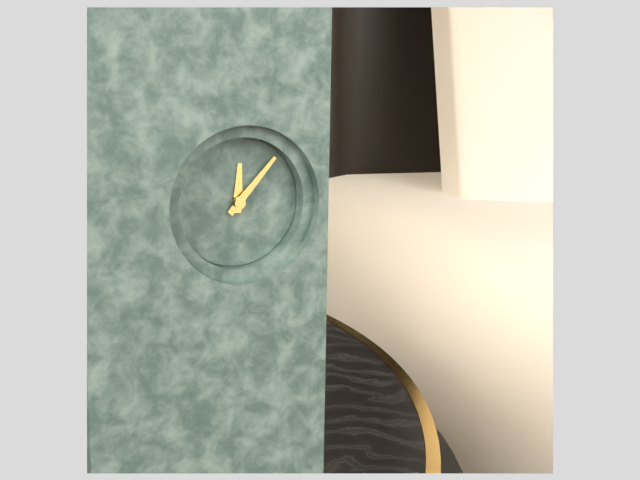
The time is h=12 m=7
